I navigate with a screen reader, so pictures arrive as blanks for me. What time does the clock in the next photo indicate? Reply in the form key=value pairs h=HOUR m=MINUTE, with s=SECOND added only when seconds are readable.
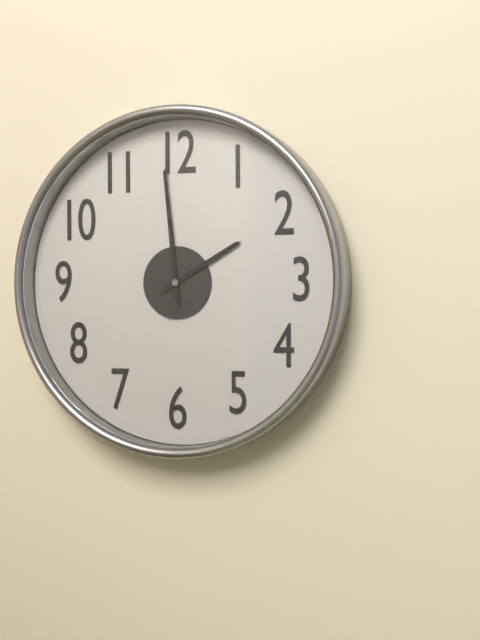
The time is h=1 m=59
